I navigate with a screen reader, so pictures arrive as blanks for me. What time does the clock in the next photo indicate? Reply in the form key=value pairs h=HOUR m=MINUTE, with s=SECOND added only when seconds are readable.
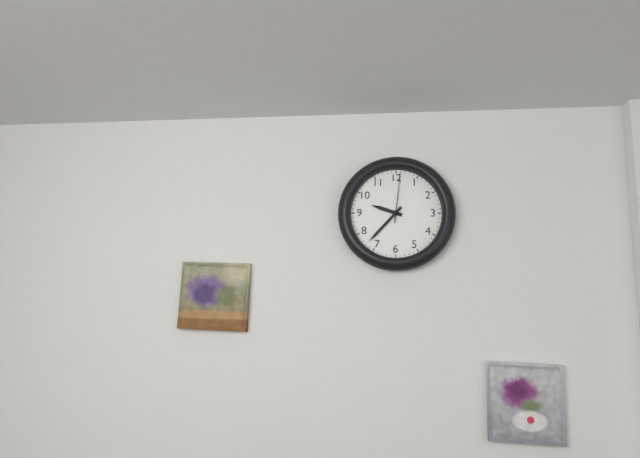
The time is h=9 m=37 s=1
